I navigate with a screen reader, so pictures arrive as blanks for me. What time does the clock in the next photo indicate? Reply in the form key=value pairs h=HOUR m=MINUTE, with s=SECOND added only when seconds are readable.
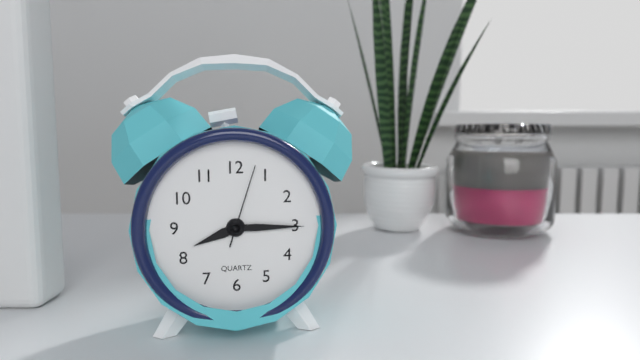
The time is h=8 m=15 s=3
